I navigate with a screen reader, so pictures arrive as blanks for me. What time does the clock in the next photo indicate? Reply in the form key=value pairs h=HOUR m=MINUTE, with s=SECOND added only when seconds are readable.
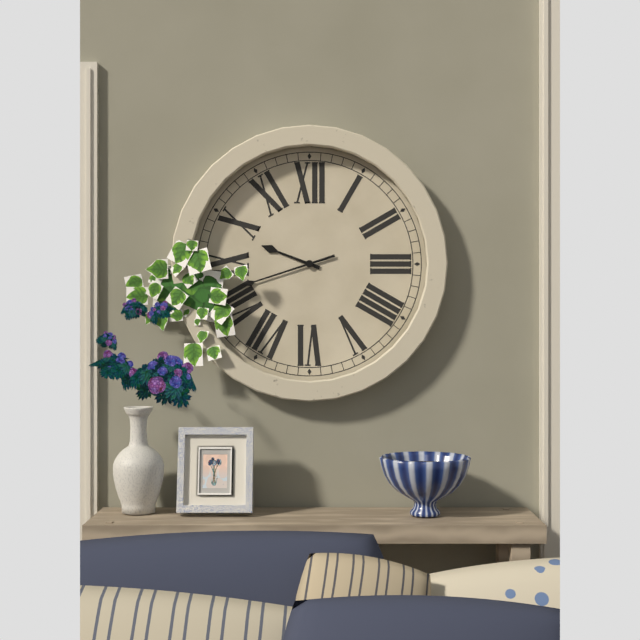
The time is h=9 m=42
